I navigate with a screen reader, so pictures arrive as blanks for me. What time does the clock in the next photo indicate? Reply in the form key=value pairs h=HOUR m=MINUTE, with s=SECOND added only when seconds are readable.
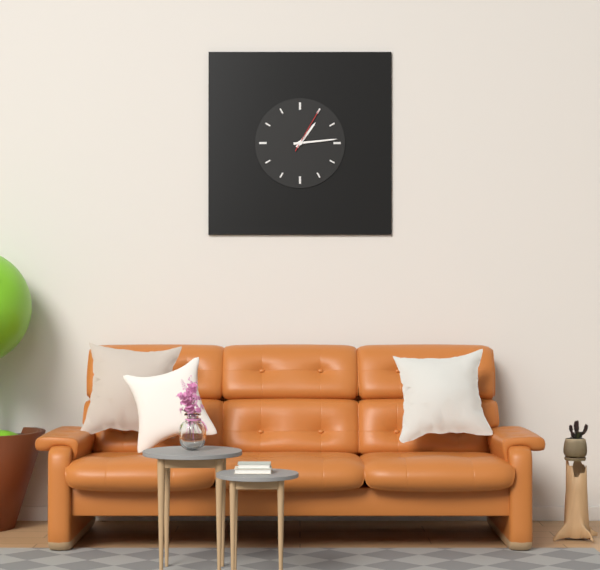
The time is h=1 m=14
